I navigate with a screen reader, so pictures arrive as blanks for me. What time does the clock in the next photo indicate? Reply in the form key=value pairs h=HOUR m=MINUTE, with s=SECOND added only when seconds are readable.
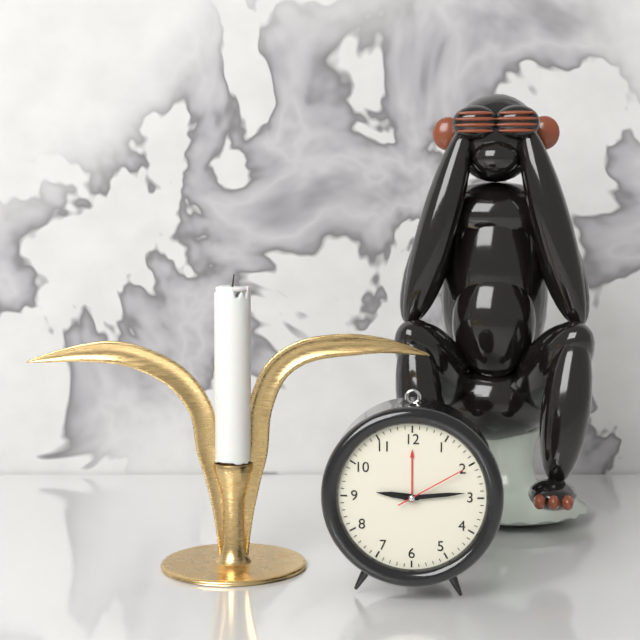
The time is h=9 m=14 s=10
